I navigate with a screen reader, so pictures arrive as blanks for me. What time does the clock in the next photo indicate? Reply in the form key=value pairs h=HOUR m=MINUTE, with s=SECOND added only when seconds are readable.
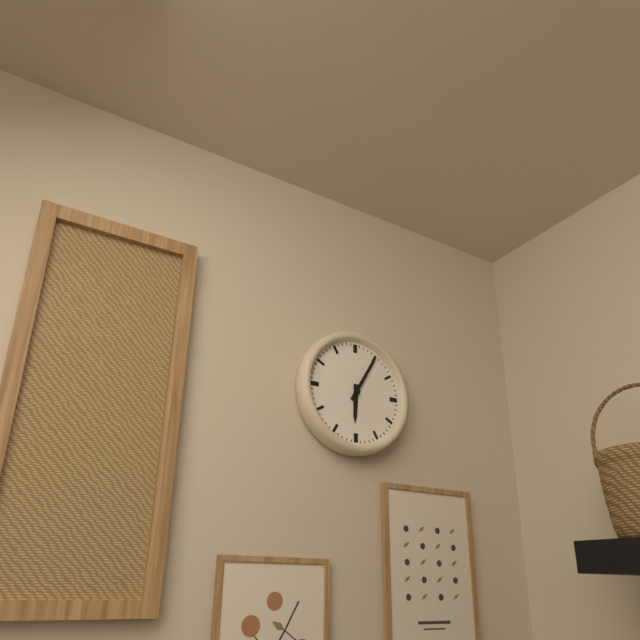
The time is h=6 m=5
